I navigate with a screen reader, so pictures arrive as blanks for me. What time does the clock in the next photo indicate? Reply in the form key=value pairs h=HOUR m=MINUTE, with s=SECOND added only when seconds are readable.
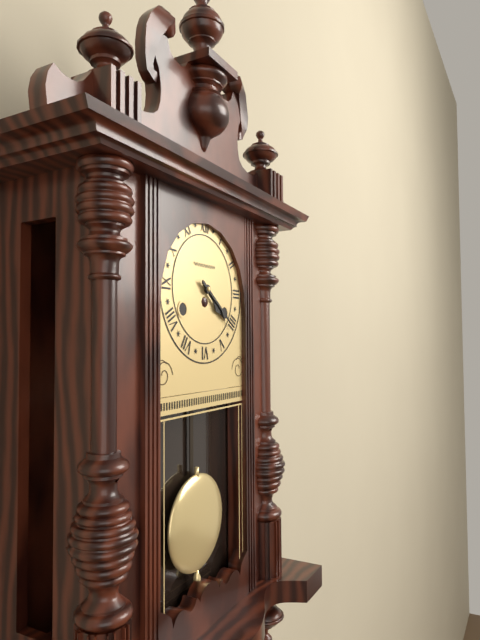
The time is h=4 m=21
